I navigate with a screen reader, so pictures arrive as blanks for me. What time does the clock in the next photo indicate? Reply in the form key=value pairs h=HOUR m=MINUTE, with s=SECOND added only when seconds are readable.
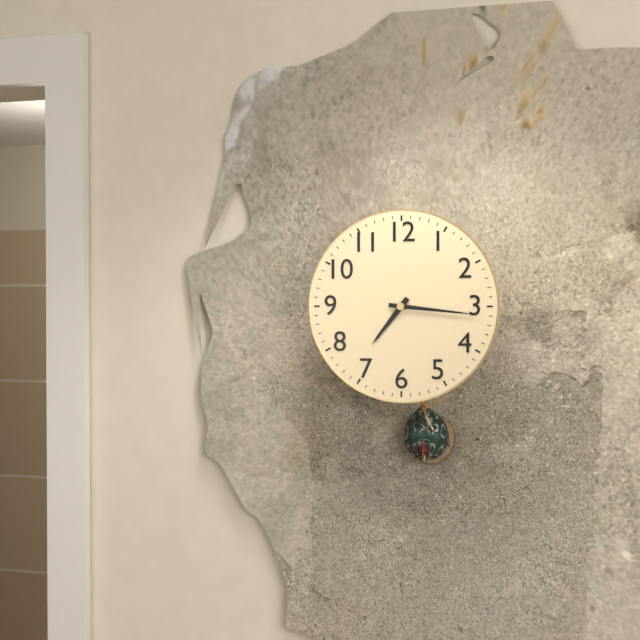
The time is h=7 m=16
